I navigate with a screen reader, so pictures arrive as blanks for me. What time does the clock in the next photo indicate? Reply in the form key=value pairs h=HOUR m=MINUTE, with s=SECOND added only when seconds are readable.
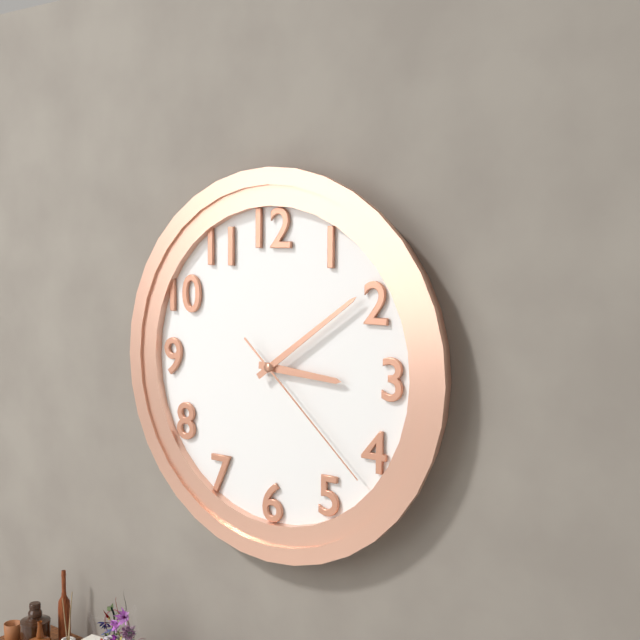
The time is h=3 m=9 s=22
